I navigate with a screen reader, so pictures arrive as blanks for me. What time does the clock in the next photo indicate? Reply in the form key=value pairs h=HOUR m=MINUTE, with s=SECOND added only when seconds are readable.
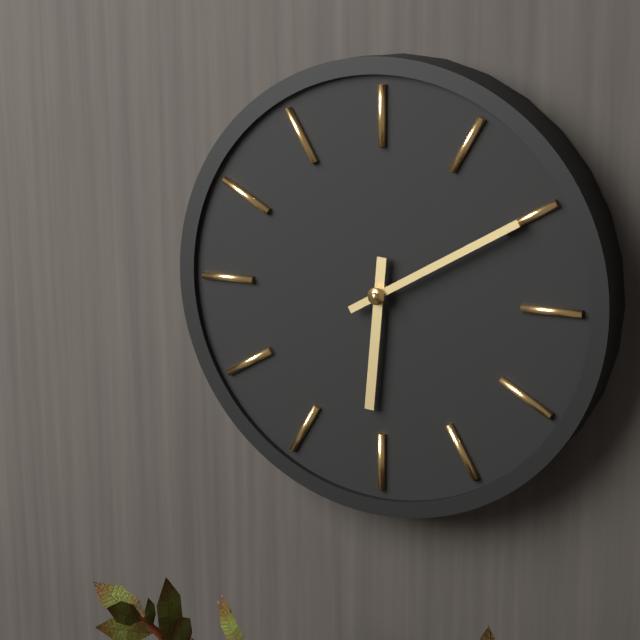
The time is h=6 m=10
